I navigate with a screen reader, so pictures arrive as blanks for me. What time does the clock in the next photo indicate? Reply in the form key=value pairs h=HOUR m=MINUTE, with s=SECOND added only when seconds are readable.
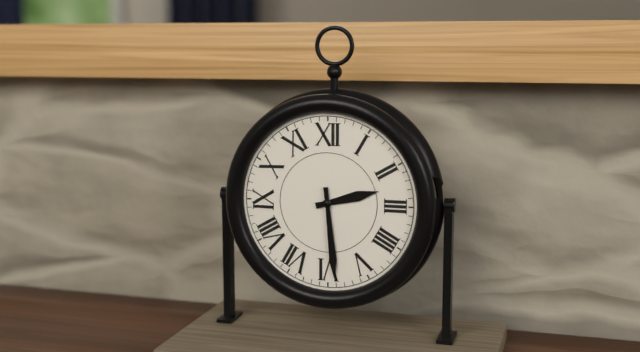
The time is h=2 m=29
